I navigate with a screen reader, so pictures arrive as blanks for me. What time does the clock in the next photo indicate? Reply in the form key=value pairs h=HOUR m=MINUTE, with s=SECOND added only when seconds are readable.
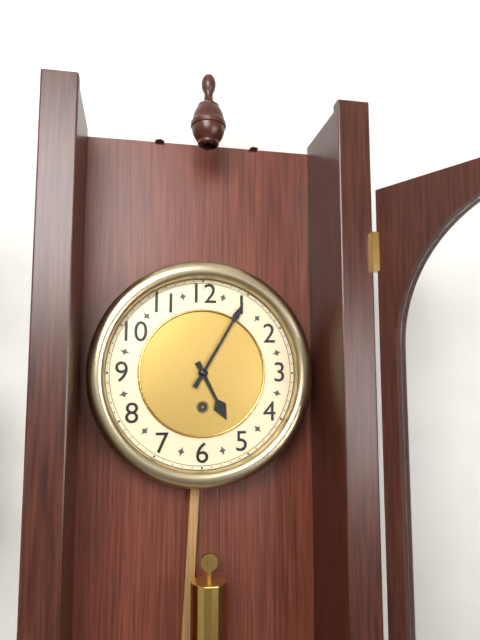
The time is h=5 m=5
